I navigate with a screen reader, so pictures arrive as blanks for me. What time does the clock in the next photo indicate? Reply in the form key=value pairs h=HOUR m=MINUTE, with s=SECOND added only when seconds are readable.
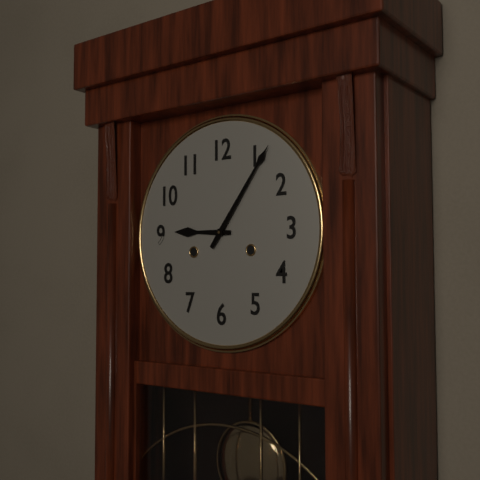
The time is h=9 m=6
